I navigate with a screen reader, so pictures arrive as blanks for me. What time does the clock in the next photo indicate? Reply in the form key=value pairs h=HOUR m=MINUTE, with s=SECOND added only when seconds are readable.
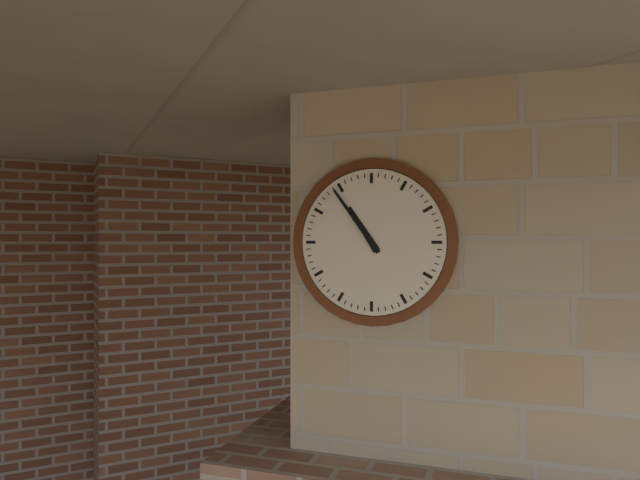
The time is h=10 m=54
